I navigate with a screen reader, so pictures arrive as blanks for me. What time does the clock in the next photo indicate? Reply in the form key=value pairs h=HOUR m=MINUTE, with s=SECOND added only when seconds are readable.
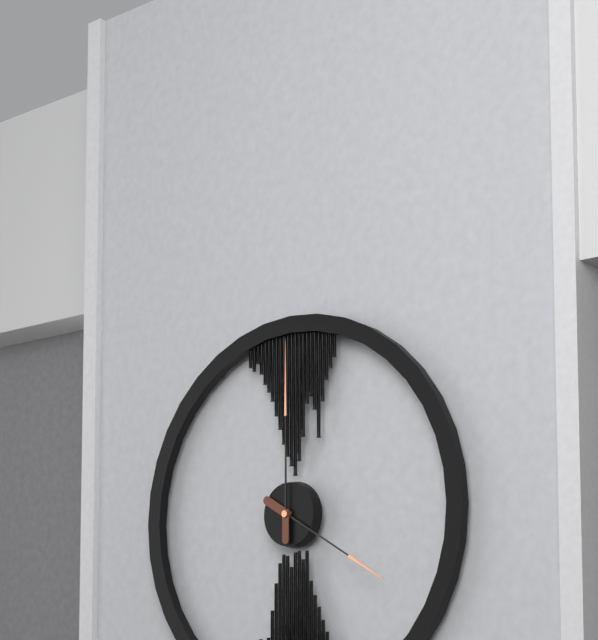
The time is h=4 m=0
